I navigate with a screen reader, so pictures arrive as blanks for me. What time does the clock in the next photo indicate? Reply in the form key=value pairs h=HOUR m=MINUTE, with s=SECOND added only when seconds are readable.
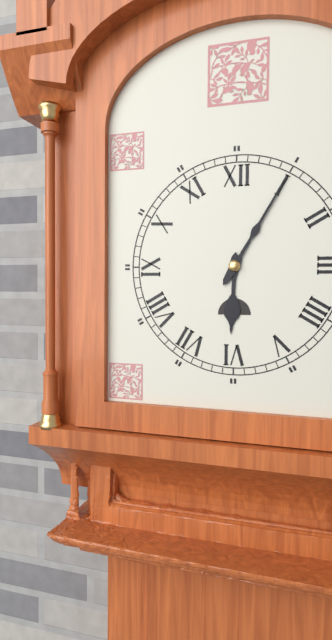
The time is h=6 m=5
